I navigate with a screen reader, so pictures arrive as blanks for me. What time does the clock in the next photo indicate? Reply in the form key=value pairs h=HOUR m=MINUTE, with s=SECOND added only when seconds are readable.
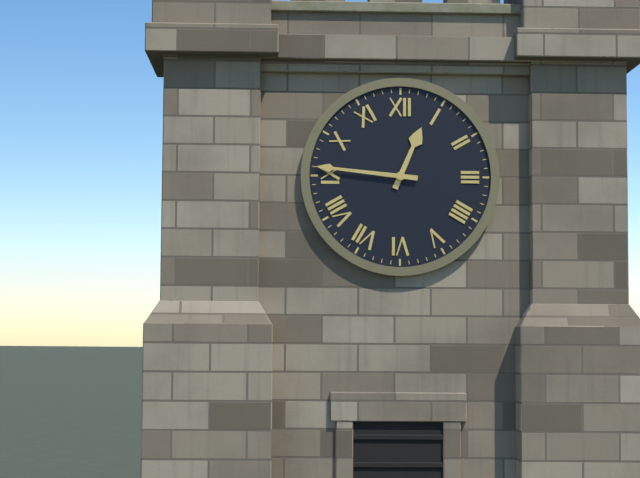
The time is h=12 m=46
